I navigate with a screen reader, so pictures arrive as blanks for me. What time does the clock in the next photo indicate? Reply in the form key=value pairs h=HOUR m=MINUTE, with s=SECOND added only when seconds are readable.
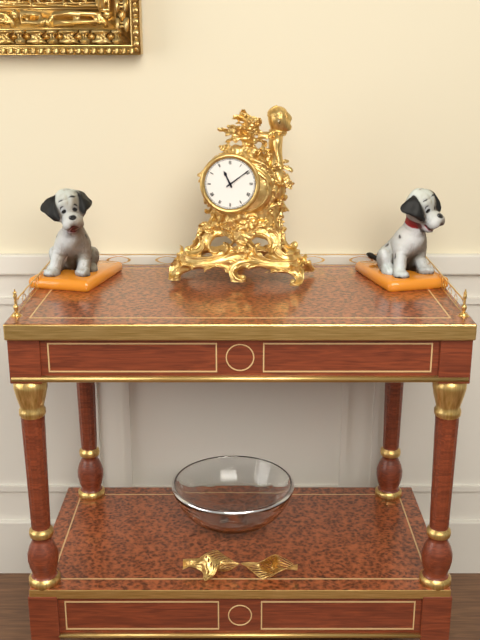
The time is h=11 m=9
